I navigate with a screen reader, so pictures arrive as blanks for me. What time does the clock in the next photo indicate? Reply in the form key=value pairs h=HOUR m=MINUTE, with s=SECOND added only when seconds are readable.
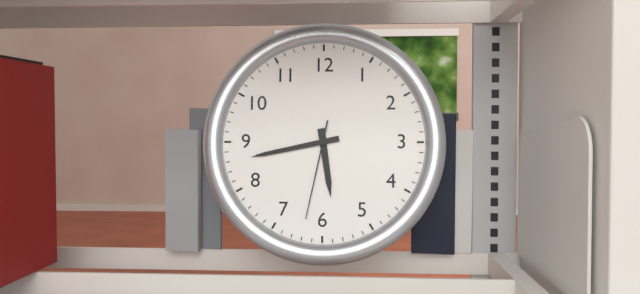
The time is h=5 m=43 s=32
